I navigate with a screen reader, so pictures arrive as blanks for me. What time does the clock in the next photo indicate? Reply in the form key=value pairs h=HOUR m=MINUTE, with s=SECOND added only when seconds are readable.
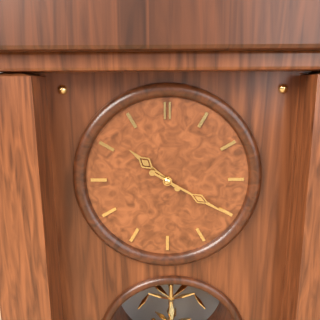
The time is h=10 m=20
